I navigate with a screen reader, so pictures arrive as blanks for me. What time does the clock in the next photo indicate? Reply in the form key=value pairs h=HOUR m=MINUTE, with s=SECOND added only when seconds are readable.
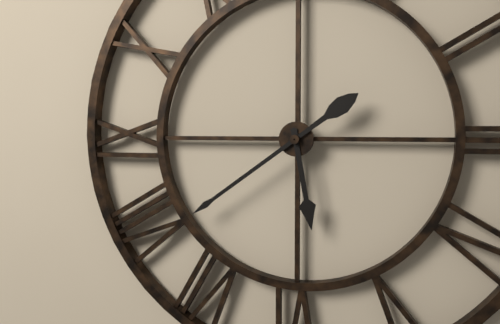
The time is h=5 m=39
